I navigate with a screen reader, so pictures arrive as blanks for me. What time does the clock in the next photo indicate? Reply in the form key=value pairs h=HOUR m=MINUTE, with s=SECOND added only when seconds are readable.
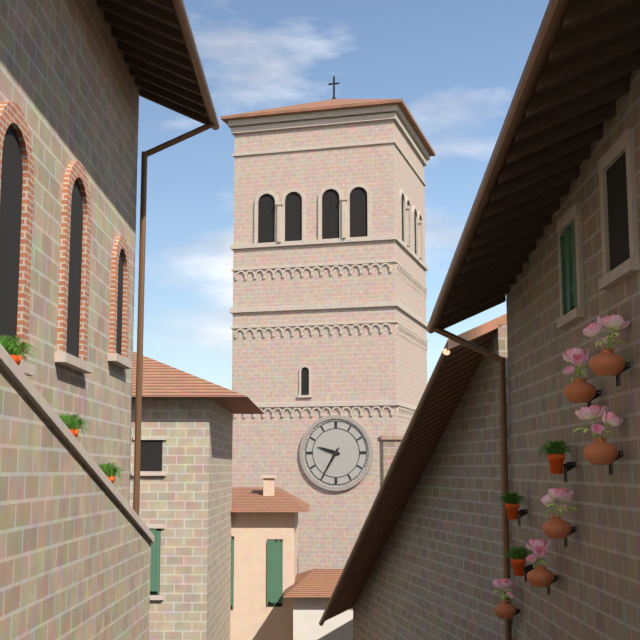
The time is h=9 m=35
